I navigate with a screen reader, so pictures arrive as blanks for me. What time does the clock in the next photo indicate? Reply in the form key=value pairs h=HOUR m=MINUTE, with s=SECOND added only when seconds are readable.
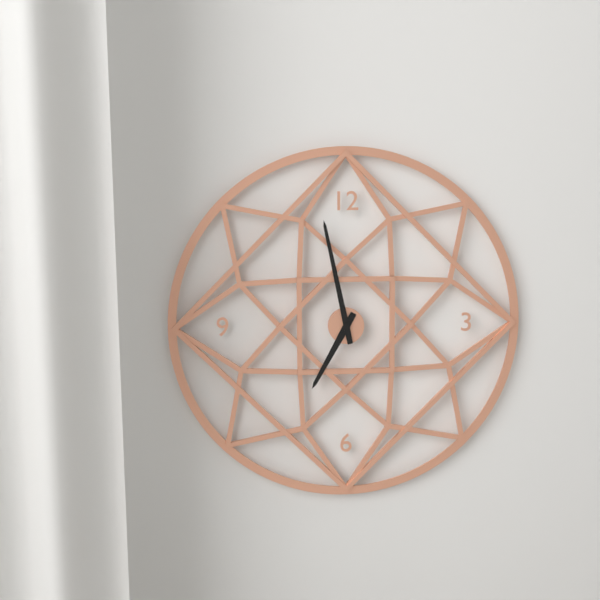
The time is h=6 m=58
